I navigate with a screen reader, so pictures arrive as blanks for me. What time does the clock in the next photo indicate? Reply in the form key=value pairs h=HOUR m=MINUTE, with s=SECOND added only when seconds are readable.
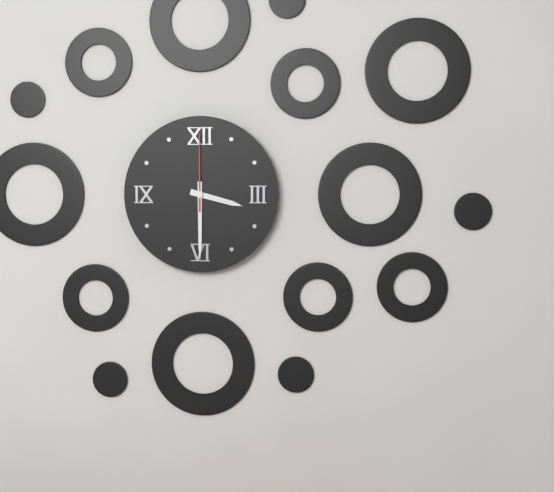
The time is h=3 m=30 s=0
